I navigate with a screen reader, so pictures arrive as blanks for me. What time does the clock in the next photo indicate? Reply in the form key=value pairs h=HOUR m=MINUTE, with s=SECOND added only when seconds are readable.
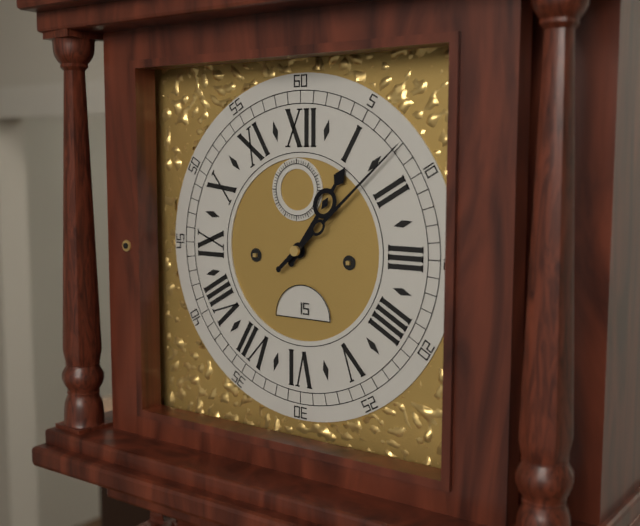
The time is h=1 m=8
